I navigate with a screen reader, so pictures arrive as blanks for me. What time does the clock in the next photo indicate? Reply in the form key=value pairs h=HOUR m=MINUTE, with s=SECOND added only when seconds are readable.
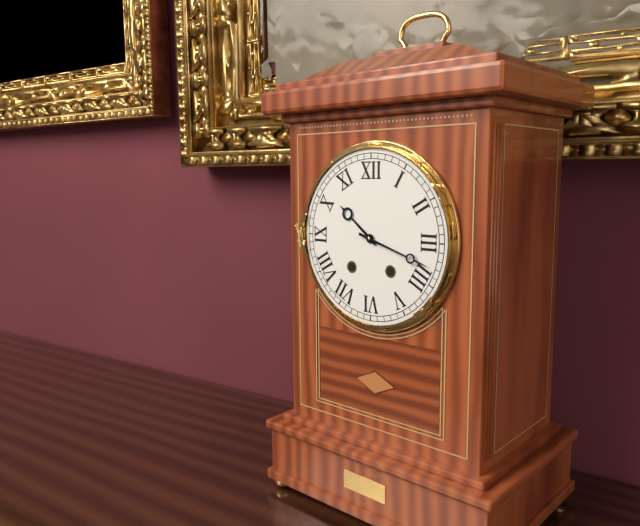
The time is h=10 m=18
